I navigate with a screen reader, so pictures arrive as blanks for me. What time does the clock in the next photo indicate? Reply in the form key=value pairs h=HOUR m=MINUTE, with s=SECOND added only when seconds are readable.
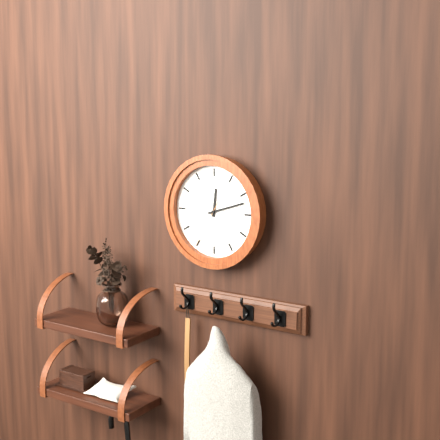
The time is h=12 m=12
